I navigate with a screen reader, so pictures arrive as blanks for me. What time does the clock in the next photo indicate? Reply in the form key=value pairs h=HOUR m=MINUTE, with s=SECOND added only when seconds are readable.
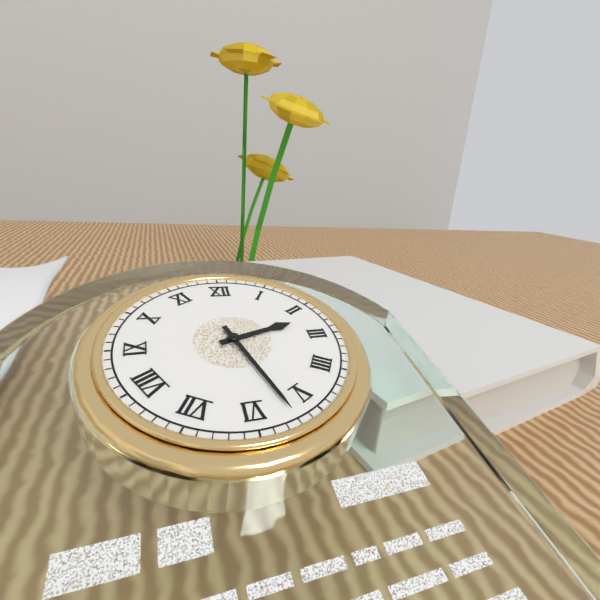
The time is h=2 m=27
